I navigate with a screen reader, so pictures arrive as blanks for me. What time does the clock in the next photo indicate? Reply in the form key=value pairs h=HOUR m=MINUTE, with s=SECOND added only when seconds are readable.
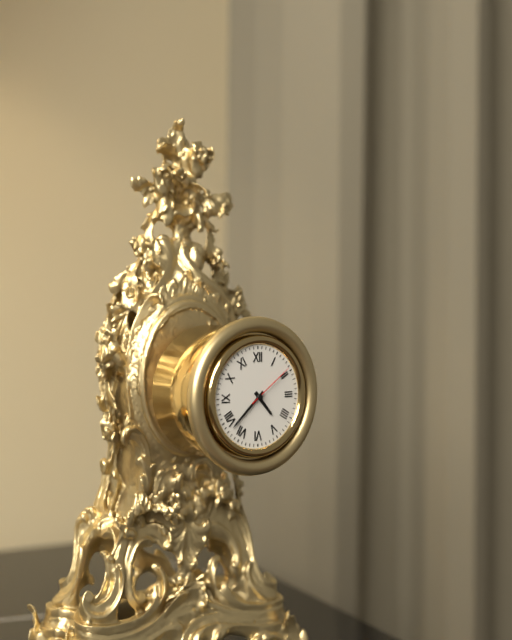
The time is h=4 m=38 s=9
